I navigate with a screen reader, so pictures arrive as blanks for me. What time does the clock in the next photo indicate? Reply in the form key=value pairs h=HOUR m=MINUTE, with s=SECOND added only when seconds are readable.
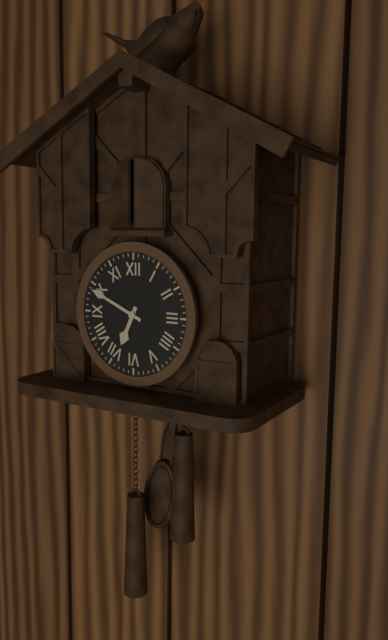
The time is h=6 m=49
